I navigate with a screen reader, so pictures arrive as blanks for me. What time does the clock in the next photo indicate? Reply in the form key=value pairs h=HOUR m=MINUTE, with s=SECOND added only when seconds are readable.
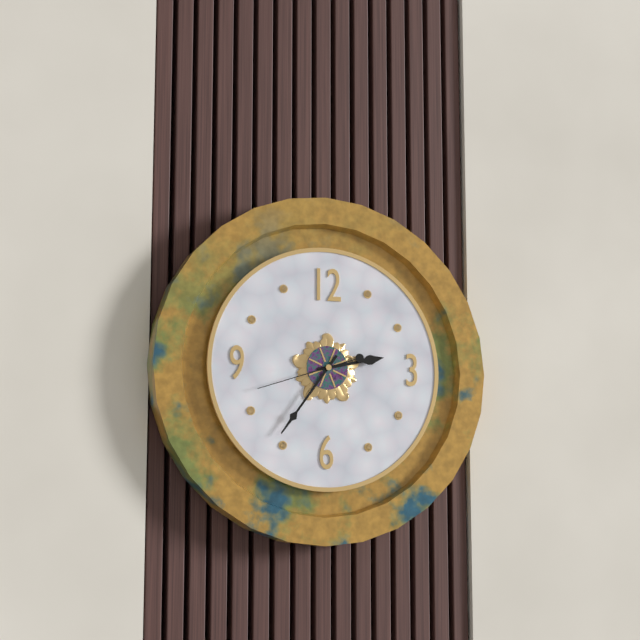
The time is h=2 m=36 s=42
